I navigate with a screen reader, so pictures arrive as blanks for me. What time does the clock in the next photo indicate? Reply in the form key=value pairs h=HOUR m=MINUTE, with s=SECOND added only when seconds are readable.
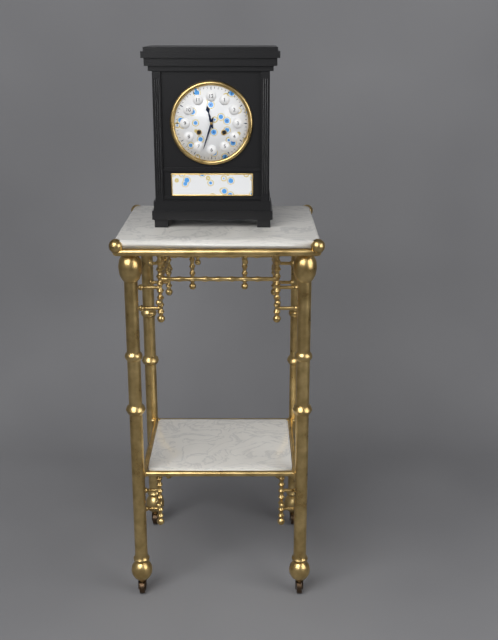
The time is h=11 m=33
